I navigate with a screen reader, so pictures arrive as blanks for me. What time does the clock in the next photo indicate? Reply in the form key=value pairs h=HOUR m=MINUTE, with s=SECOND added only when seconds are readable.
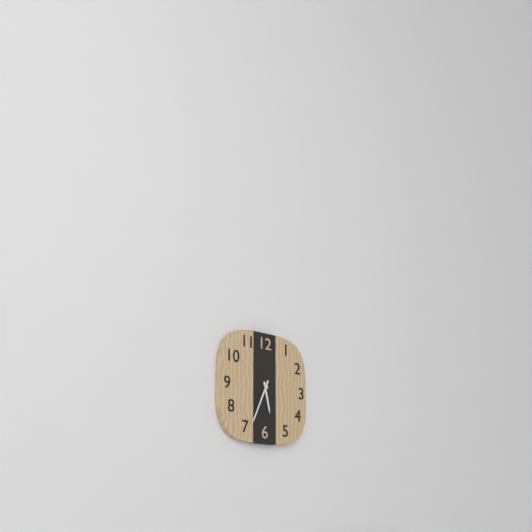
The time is h=5 m=34
